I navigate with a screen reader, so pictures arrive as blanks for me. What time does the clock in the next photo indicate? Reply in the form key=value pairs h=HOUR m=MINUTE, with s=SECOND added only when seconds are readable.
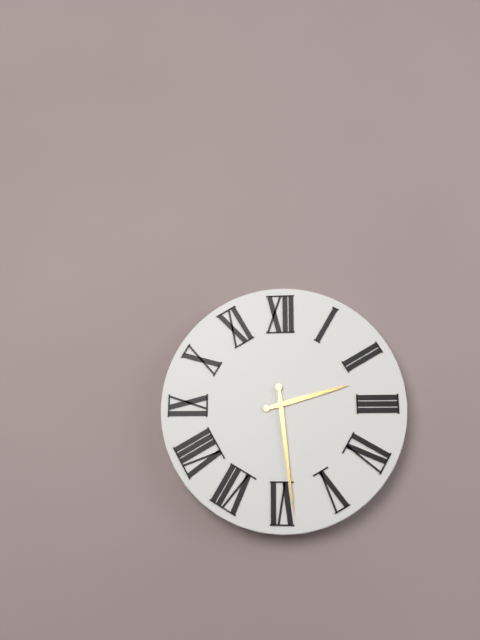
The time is h=2 m=29
